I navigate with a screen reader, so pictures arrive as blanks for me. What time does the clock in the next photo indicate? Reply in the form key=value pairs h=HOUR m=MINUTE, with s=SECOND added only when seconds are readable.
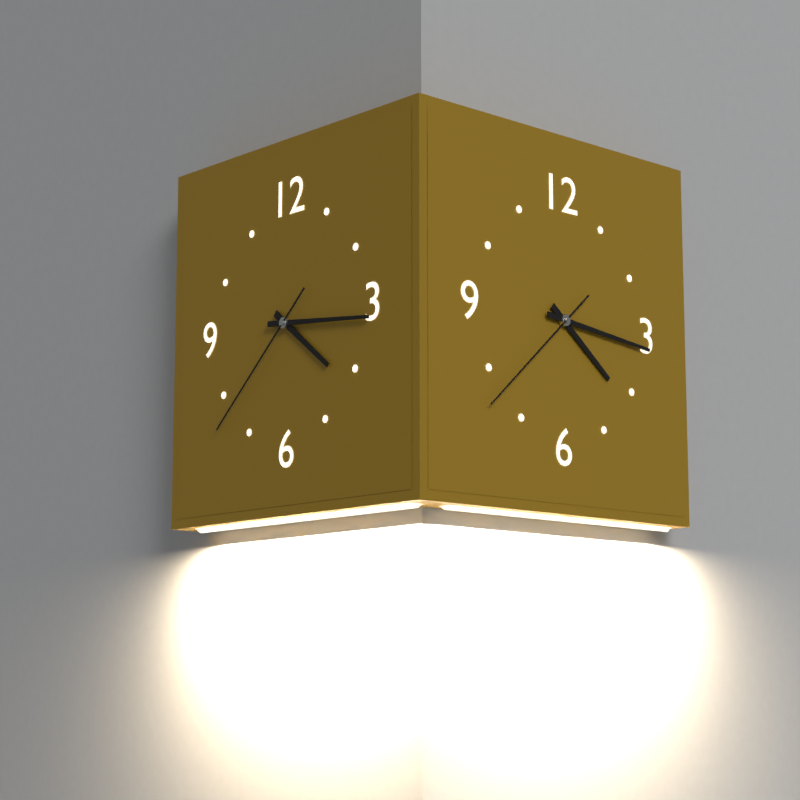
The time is h=4 m=16 s=38
